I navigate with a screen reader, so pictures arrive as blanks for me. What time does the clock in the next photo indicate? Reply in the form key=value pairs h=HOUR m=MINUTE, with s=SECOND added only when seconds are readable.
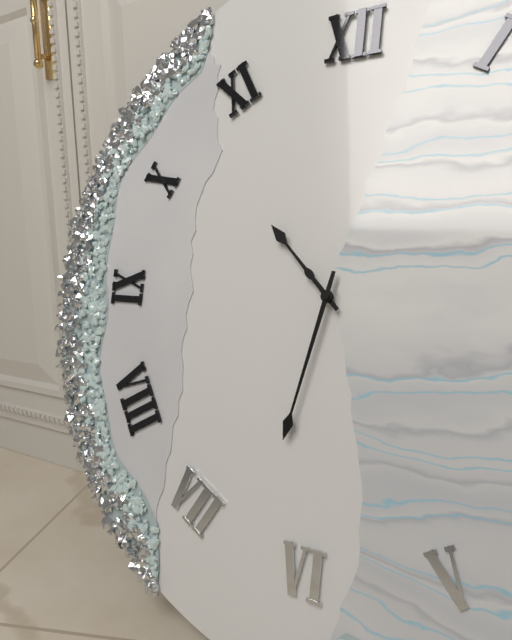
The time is h=10 m=32
